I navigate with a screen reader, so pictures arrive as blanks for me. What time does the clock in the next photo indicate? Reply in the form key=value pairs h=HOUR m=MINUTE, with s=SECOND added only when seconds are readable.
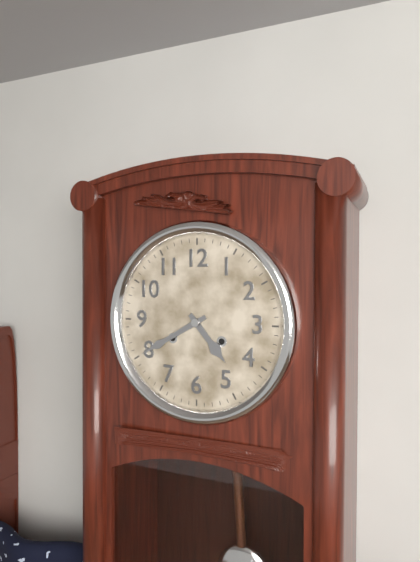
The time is h=4 m=40
